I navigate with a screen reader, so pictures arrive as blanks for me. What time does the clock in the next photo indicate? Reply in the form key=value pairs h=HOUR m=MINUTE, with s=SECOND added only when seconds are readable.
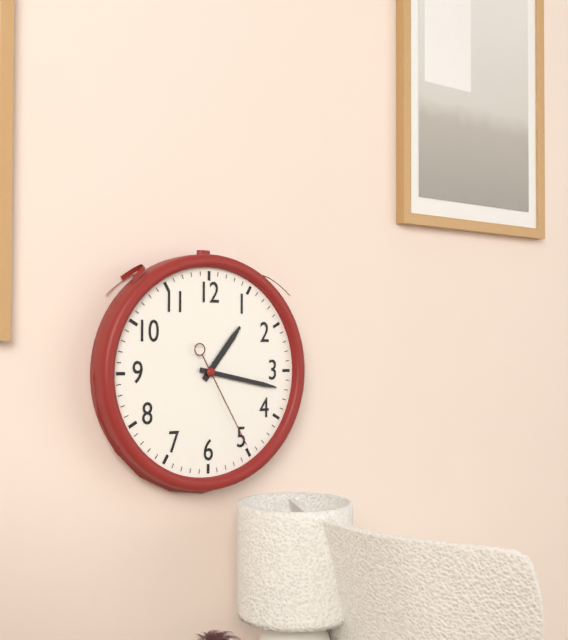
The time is h=1 m=17 s=25
